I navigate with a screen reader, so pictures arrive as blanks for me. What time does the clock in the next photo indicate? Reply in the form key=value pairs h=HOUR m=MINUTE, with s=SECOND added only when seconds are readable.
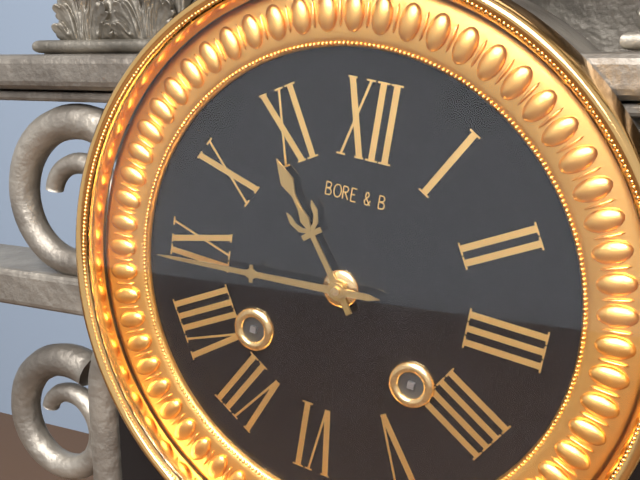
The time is h=10 m=44
